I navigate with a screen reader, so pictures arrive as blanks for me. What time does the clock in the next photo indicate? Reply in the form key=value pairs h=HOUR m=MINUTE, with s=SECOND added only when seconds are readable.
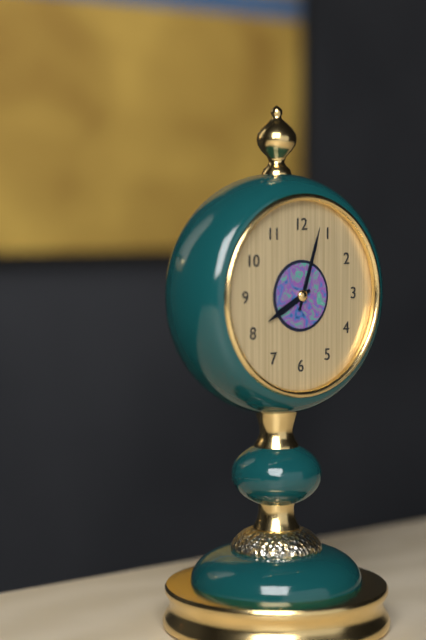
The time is h=8 m=3
